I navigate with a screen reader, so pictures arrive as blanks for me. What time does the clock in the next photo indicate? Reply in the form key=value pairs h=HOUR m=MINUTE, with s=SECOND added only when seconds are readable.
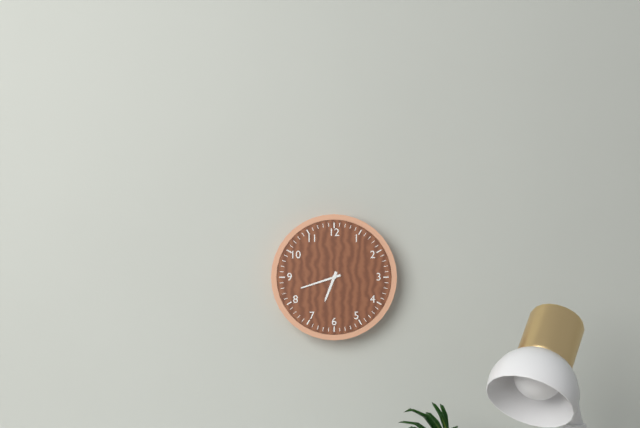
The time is h=6 m=42
